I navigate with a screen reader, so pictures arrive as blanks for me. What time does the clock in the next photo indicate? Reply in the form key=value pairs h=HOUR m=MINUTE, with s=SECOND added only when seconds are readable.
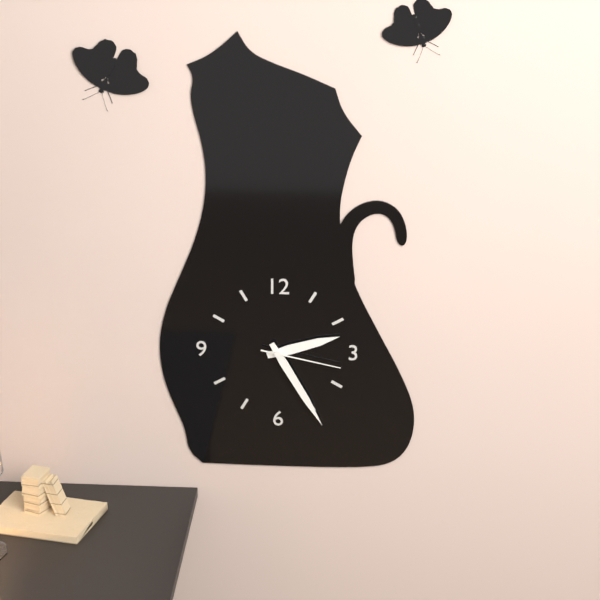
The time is h=2 m=25 s=17
